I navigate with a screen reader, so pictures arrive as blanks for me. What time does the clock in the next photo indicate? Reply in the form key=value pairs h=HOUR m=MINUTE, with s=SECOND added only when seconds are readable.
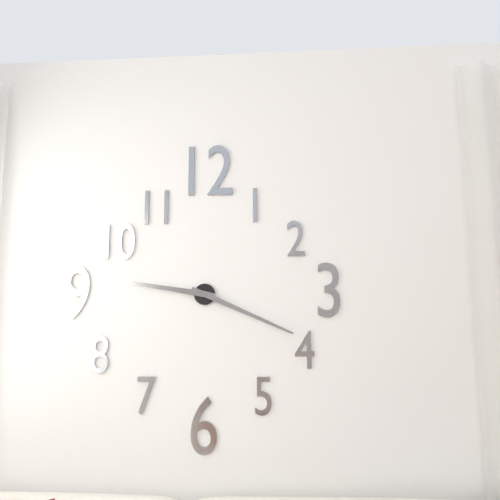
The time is h=9 m=19
